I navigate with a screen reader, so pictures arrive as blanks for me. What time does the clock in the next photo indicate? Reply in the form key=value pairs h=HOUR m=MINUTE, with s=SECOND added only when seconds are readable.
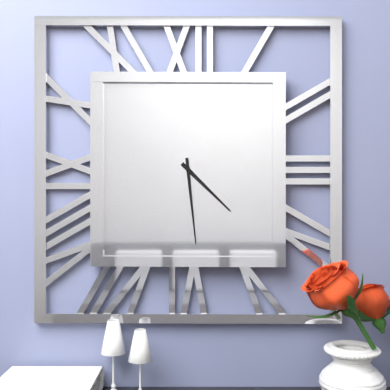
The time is h=4 m=29
